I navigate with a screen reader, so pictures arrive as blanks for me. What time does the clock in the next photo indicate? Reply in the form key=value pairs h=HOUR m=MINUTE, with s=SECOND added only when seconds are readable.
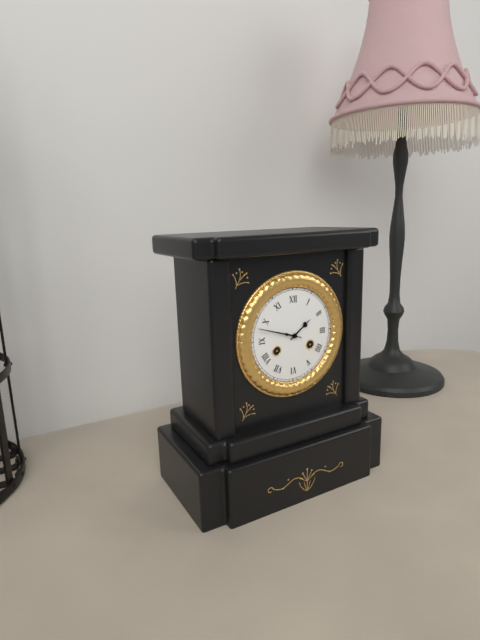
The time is h=1 m=48
